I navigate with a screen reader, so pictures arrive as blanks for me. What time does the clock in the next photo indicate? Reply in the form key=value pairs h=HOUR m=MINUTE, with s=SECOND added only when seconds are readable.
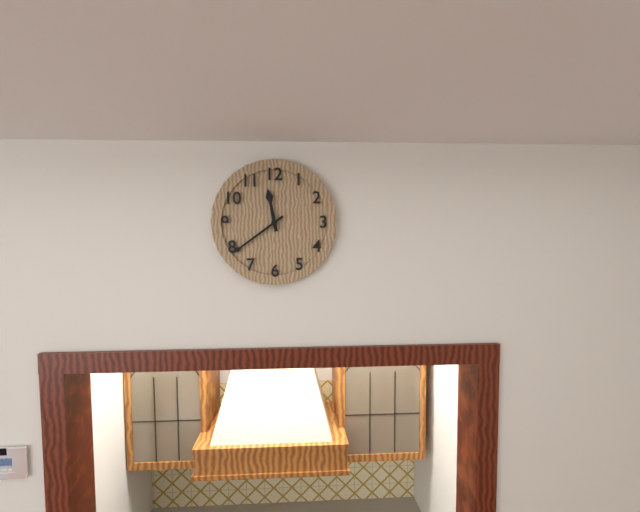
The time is h=11 m=39
